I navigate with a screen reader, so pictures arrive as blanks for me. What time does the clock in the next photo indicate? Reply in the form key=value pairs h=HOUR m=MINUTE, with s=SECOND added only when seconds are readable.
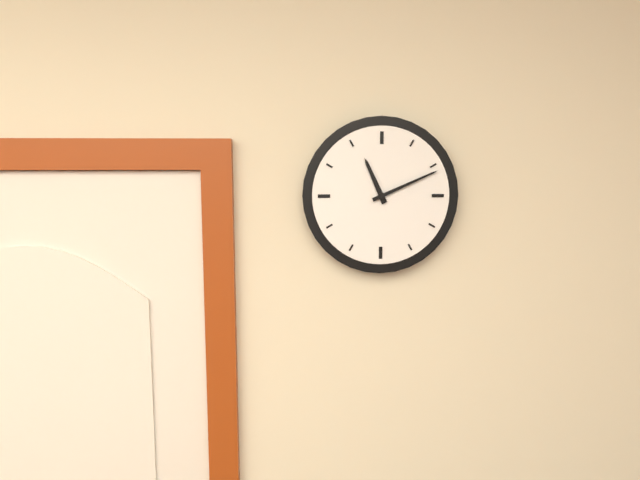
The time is h=11 m=11
